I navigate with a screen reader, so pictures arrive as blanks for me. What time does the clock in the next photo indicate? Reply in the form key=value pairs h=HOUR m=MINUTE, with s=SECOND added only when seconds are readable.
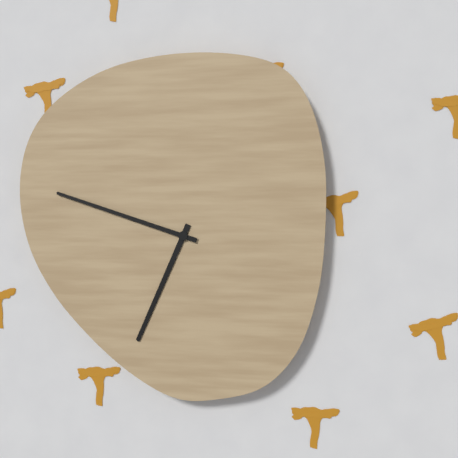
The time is h=6 m=48
